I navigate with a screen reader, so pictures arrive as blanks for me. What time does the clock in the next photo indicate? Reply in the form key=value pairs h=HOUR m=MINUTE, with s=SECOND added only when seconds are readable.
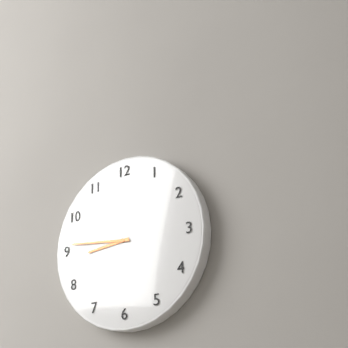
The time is h=8 m=46
